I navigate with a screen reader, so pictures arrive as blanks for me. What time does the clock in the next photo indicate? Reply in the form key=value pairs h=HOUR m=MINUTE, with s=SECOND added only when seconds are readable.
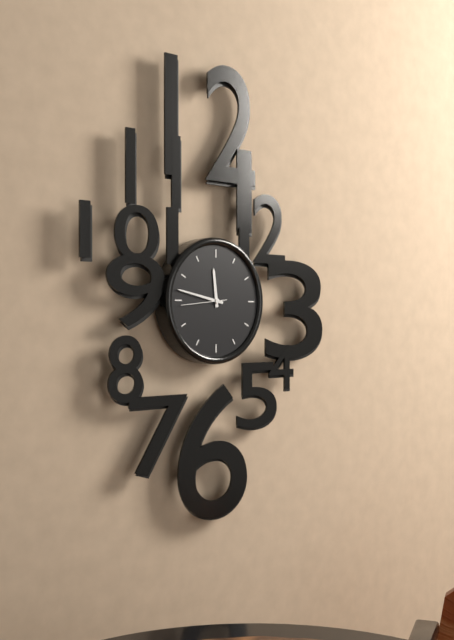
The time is h=11 m=47
